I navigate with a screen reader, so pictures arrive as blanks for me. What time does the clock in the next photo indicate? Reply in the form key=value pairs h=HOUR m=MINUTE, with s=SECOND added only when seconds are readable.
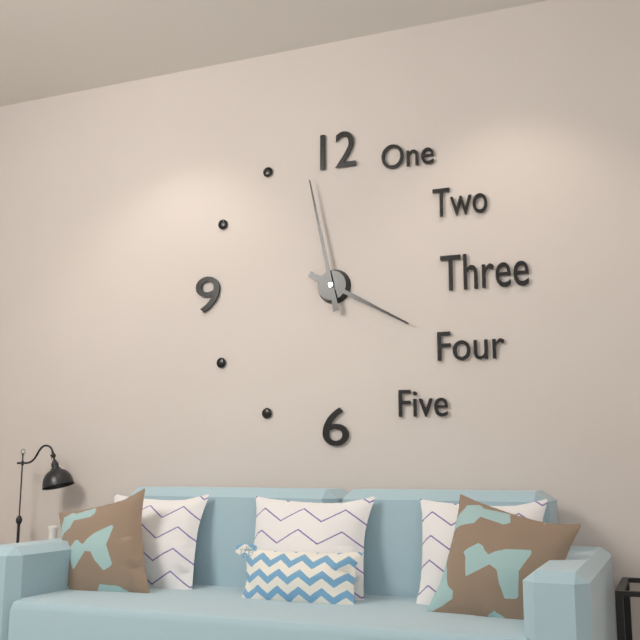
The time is h=3 m=58
